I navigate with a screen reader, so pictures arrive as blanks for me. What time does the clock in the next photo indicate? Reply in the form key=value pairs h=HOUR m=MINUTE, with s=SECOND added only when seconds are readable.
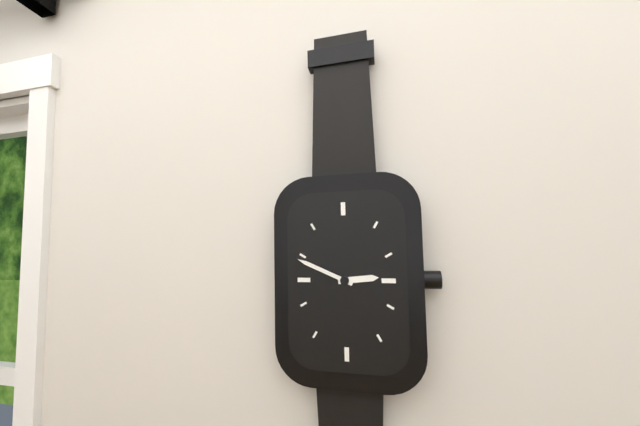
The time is h=2 m=49
